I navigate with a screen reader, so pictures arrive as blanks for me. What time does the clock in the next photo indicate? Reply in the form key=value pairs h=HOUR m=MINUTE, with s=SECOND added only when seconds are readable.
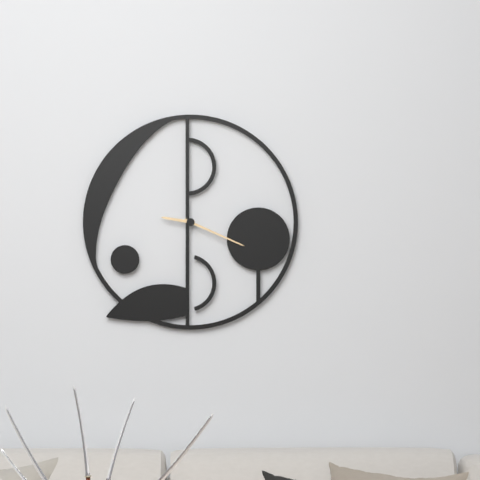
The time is h=9 m=19
